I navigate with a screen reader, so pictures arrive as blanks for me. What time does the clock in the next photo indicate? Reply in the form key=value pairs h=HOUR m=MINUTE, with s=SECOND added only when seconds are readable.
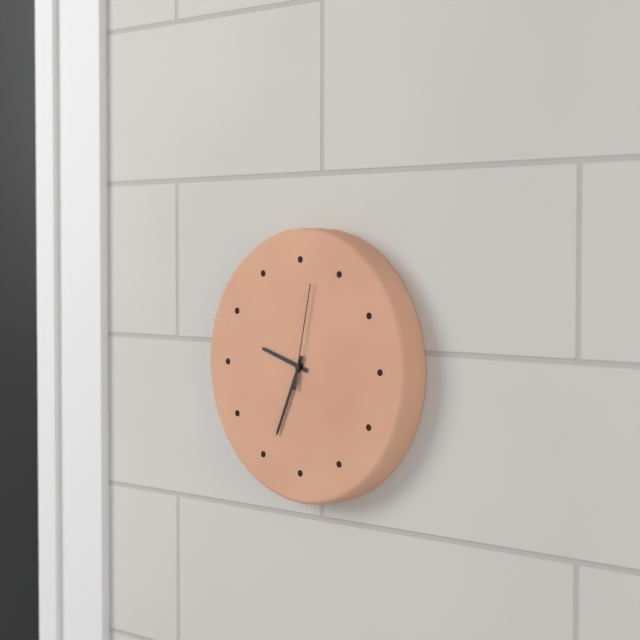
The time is h=9 m=34 s=2
